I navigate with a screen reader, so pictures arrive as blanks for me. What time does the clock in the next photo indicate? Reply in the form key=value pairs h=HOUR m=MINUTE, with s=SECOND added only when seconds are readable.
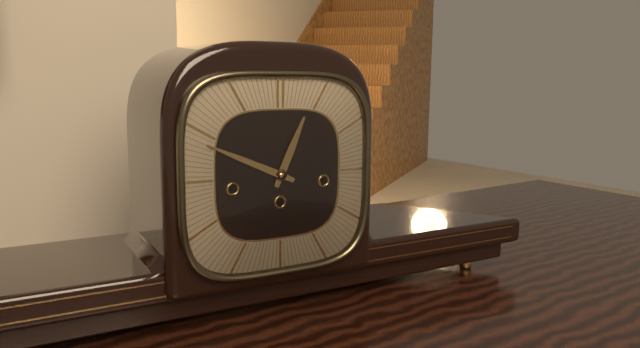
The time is h=12 m=49
